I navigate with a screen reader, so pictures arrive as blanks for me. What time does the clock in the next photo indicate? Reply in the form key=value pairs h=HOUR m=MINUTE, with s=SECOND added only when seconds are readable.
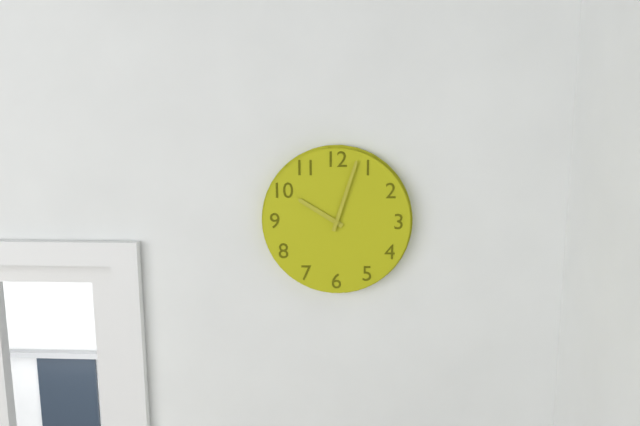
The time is h=10 m=3
